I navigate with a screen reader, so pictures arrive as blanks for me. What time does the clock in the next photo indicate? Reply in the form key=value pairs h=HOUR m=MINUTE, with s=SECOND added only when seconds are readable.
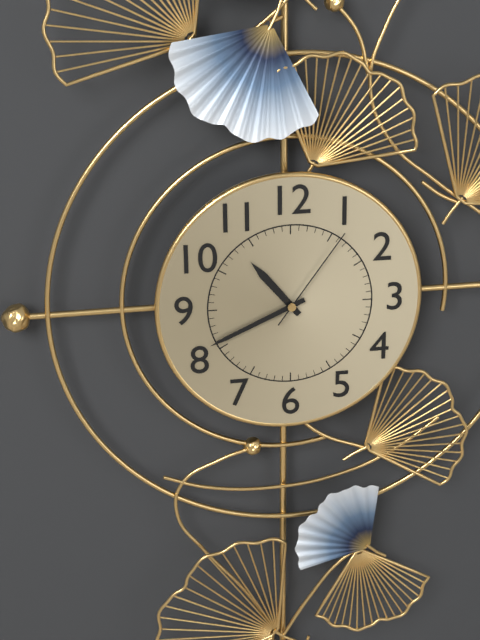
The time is h=10 m=41 s=6
